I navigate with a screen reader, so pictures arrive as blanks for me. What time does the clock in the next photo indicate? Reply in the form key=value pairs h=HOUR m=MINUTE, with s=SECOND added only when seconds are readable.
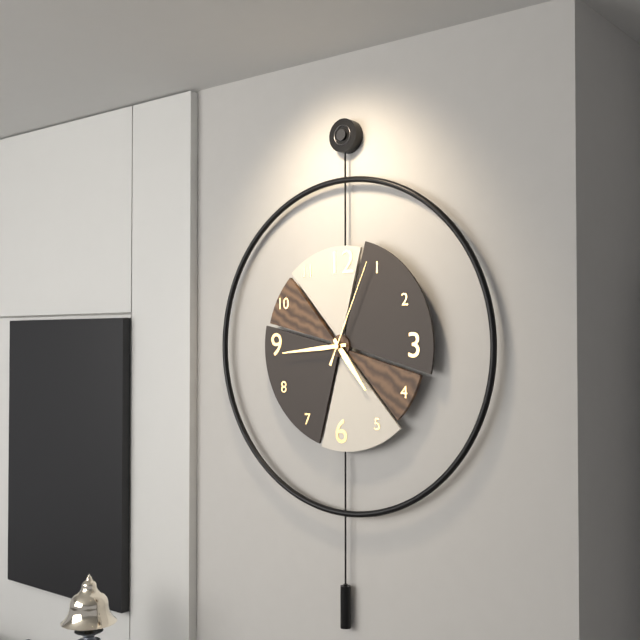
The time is h=4 m=44 s=4
